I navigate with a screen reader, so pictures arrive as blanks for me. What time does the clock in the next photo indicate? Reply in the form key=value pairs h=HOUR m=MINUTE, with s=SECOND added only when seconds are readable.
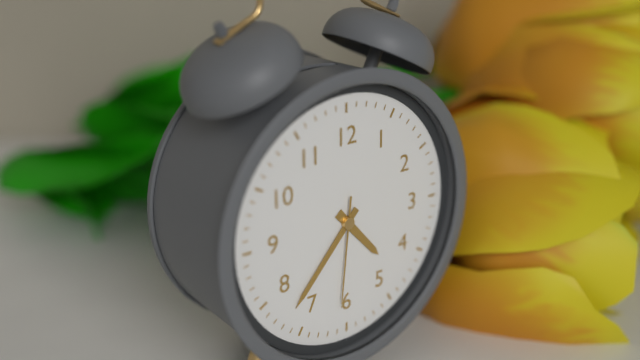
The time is h=4 m=37 s=31
